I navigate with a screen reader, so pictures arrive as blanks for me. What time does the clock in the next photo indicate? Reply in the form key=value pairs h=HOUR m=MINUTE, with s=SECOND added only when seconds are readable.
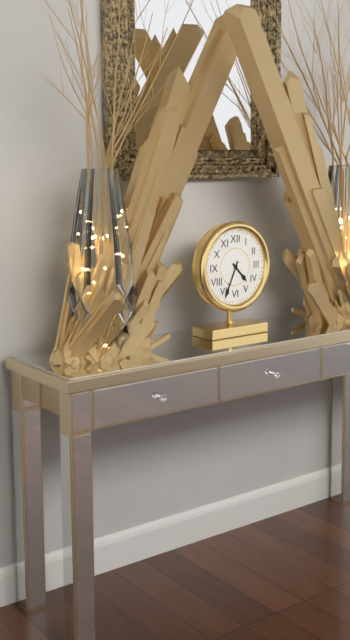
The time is h=4 m=34
